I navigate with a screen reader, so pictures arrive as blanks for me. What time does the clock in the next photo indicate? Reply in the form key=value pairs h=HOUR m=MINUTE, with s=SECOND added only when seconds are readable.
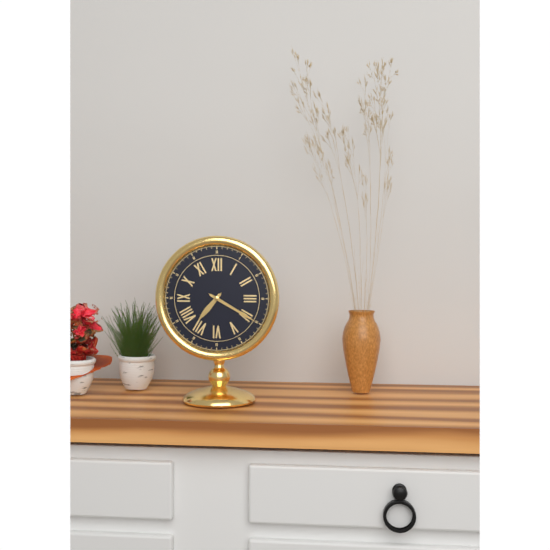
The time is h=7 m=20
